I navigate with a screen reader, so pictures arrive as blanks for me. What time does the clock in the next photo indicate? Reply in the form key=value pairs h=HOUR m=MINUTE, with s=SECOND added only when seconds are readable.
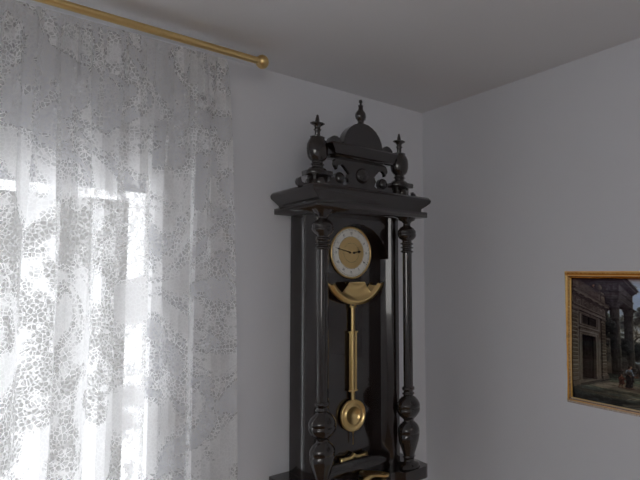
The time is h=2 m=47
